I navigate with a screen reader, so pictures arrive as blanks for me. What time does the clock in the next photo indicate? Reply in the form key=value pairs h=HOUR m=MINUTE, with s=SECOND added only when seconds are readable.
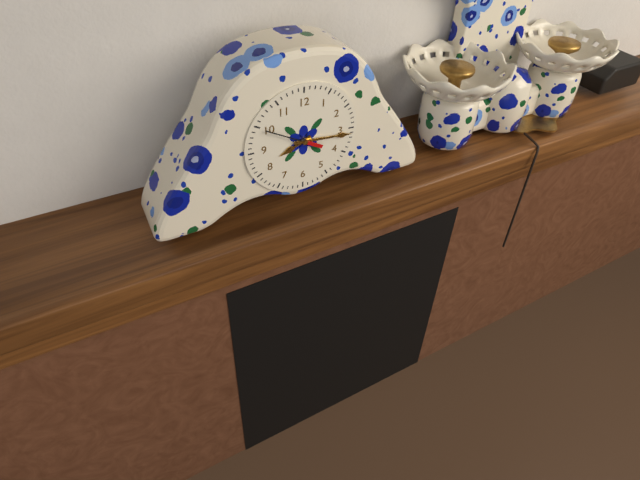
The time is h=8 m=16
